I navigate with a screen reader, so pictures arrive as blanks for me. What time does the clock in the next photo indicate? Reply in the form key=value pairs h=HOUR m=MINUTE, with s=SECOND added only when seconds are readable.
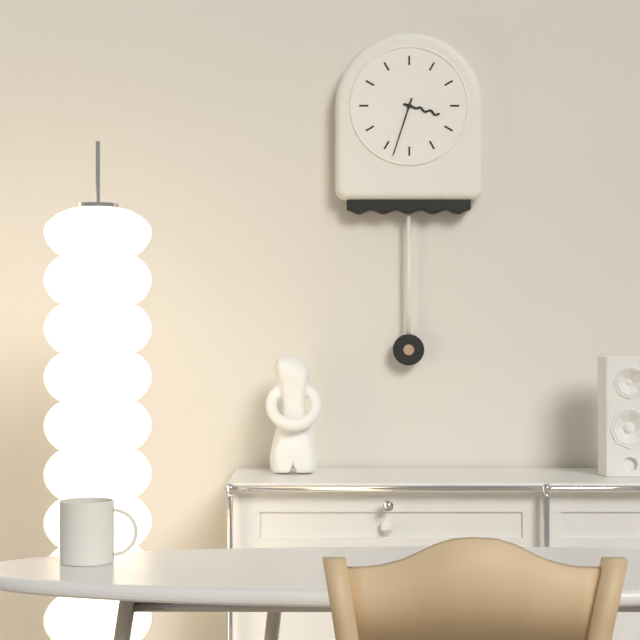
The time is h=3 m=33
